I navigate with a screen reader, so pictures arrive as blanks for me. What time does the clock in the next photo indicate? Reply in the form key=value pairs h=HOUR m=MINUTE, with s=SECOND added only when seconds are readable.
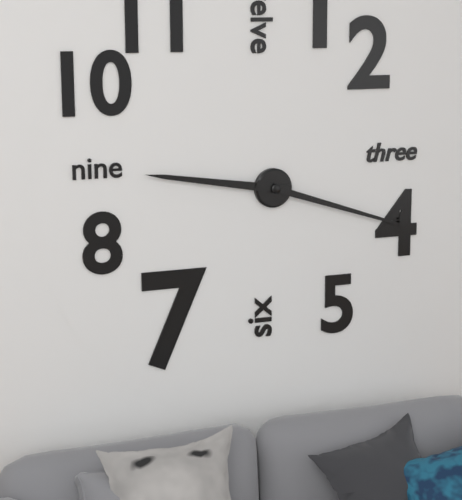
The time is h=9 m=18
